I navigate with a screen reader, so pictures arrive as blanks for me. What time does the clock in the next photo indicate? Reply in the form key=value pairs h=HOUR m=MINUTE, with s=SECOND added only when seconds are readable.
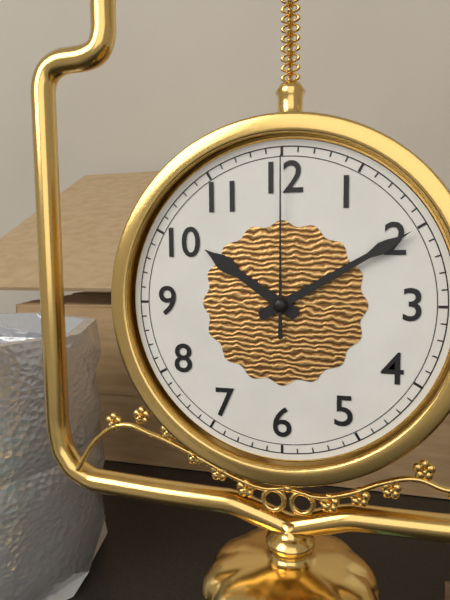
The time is h=10 m=10 s=0
